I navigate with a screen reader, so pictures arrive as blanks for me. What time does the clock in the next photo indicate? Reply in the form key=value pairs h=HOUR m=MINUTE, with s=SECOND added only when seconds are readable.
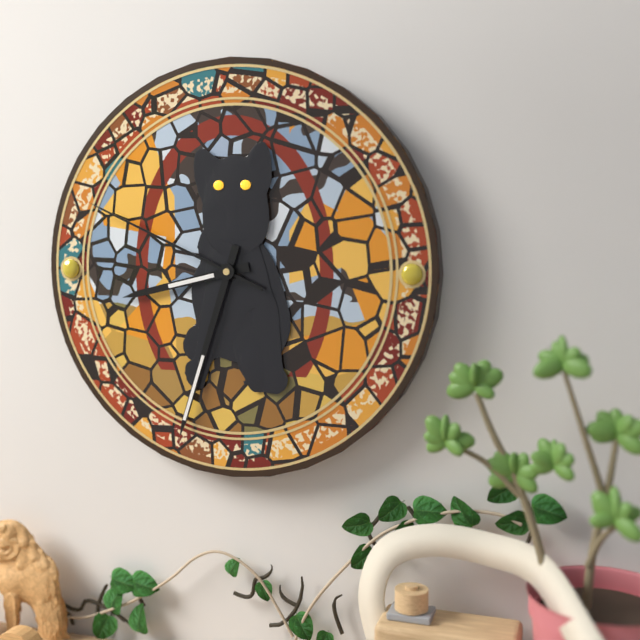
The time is h=8 m=33 s=49
